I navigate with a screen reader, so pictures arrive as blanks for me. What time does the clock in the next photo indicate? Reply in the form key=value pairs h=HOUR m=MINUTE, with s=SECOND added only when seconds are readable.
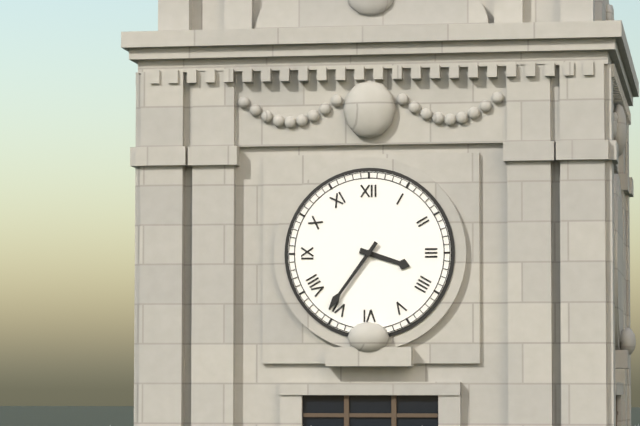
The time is h=3 m=36
